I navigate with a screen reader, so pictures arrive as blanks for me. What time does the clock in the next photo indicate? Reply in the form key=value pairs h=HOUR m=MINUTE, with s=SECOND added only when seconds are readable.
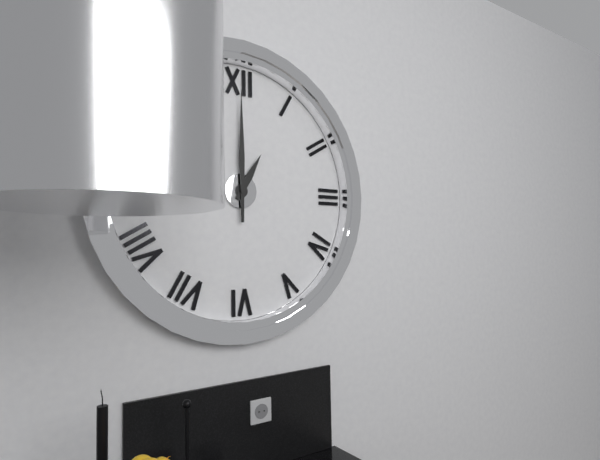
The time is h=1 m=0
